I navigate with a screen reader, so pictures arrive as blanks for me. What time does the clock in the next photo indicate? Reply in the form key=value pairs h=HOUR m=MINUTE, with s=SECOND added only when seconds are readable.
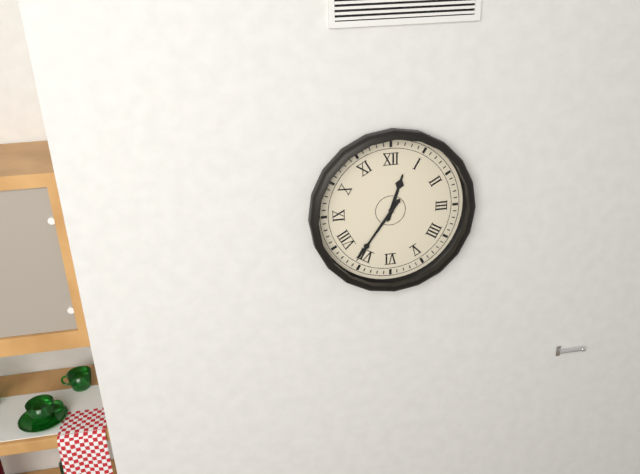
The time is h=12 m=36
